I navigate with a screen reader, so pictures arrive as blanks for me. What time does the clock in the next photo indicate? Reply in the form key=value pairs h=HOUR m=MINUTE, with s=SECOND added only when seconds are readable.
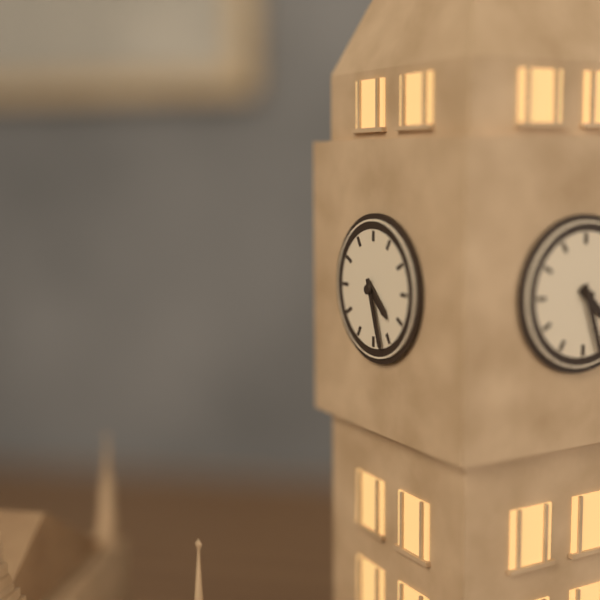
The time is h=4 m=27
